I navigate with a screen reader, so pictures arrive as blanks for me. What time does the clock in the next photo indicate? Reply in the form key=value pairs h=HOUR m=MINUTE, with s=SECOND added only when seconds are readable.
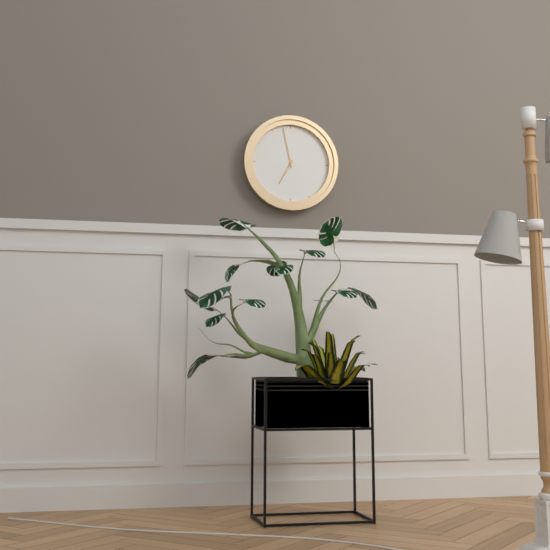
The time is h=6 m=58
